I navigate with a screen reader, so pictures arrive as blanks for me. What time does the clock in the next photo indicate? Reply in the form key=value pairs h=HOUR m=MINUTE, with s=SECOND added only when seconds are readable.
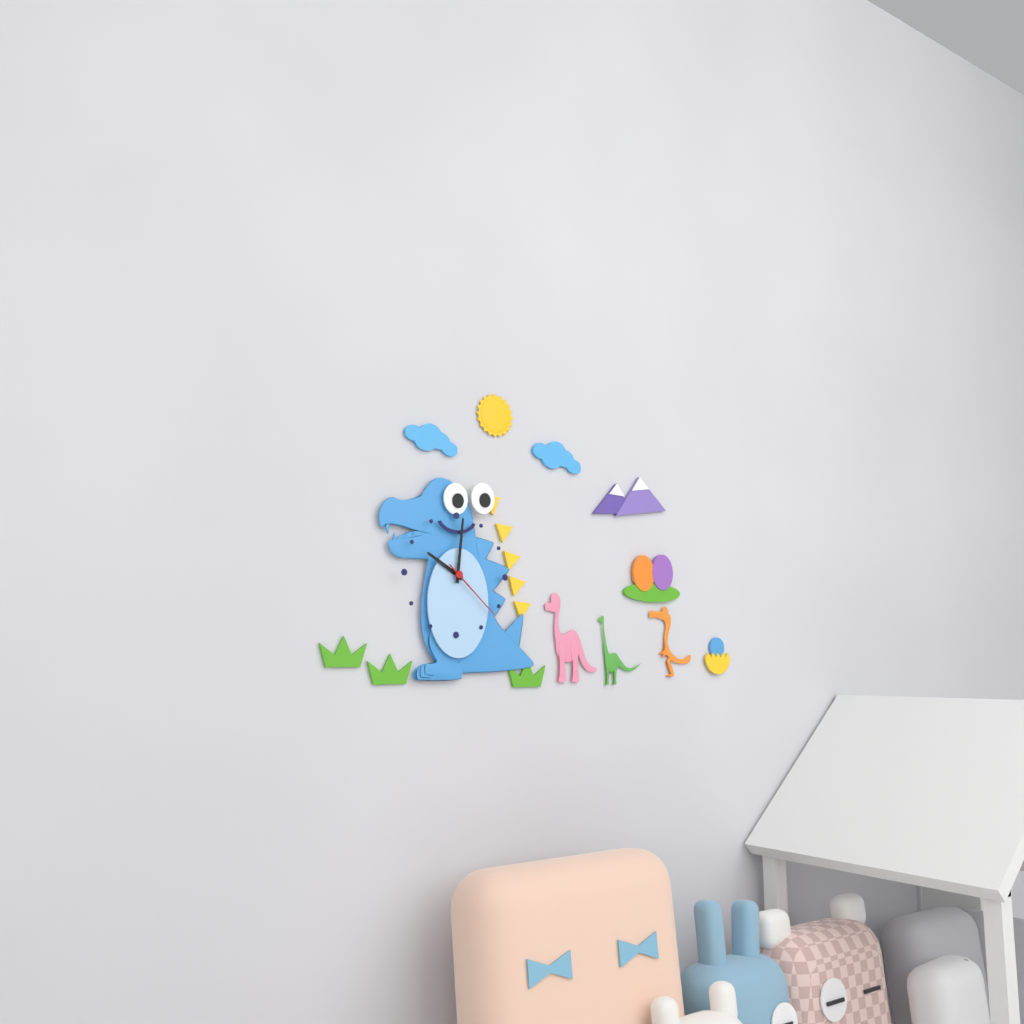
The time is h=10 m=1 s=22
